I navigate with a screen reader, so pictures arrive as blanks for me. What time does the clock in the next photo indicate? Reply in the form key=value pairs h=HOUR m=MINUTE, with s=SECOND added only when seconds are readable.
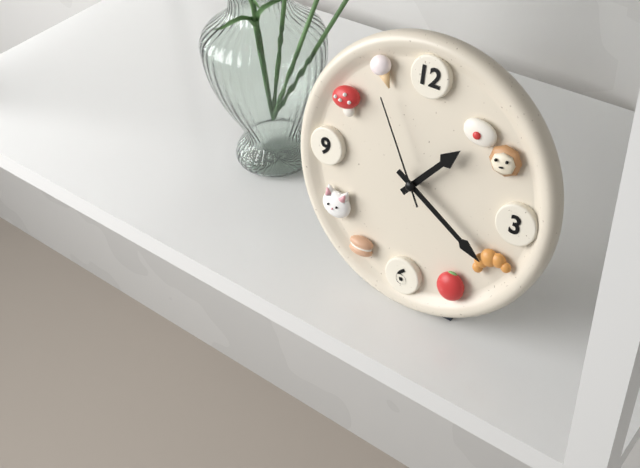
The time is h=1 m=20 s=55
